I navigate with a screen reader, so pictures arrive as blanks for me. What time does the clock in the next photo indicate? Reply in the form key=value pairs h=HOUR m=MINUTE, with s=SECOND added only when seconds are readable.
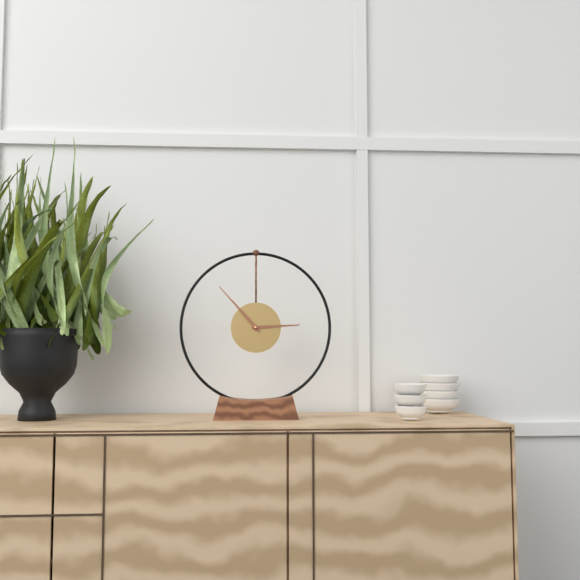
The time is h=2 m=53
